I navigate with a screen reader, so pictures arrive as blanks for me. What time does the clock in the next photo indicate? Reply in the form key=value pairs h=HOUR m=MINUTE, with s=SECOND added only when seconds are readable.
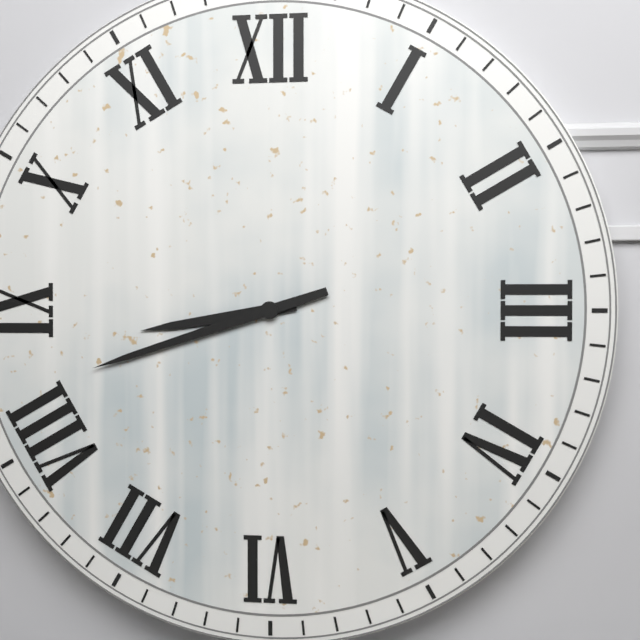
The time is h=8 m=42
